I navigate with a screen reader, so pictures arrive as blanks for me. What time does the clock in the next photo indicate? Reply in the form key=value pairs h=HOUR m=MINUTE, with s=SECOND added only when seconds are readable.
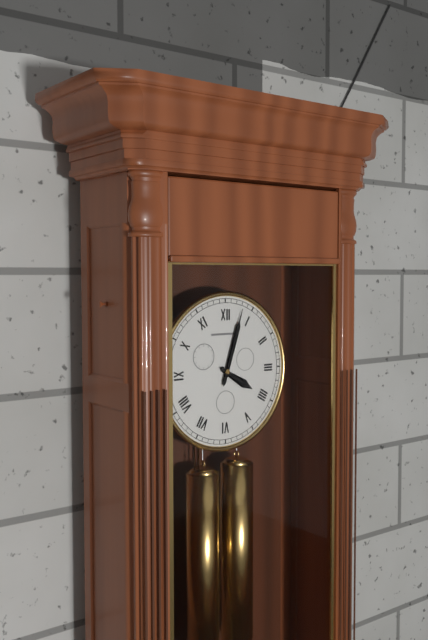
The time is h=4 m=3
